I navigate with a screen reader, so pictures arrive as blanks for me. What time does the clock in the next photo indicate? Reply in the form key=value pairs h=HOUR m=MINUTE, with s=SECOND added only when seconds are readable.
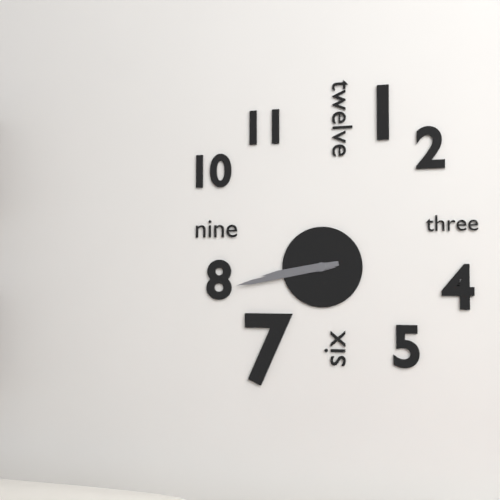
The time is h=8 m=43
